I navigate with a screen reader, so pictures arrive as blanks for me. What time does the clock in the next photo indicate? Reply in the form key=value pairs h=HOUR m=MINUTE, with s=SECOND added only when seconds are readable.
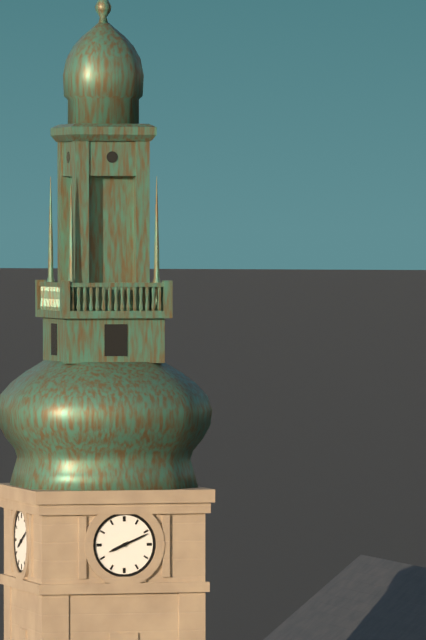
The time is h=8 m=11
